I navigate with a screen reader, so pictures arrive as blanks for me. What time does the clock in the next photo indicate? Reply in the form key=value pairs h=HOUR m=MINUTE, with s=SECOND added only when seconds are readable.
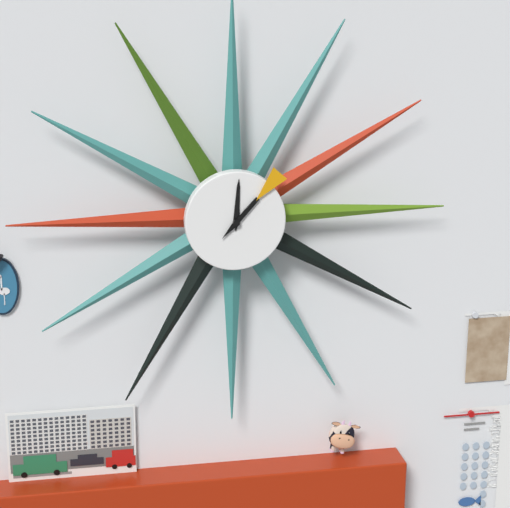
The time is h=12 m=7
